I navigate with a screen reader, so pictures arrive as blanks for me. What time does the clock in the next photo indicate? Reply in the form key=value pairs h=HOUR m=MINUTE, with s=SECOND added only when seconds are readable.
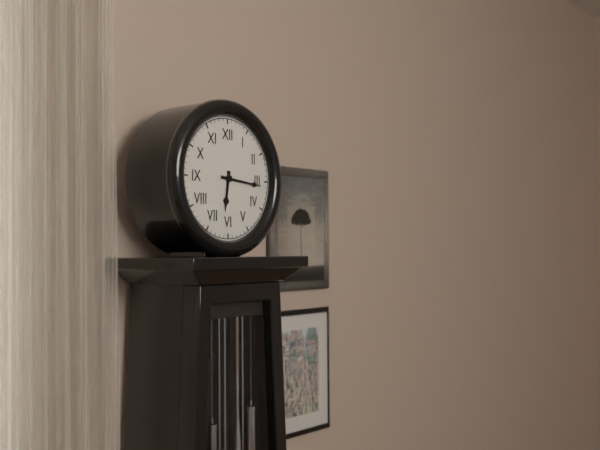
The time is h=6 m=16
